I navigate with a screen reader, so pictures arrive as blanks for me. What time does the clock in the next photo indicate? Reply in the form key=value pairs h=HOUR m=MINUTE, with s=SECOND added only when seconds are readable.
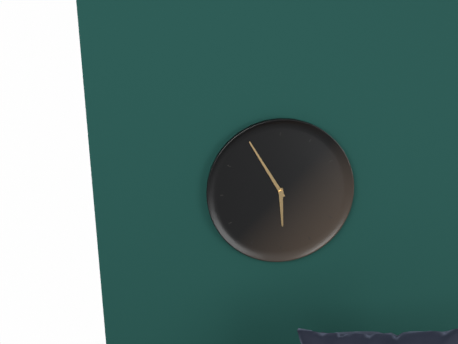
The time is h=5 m=55
